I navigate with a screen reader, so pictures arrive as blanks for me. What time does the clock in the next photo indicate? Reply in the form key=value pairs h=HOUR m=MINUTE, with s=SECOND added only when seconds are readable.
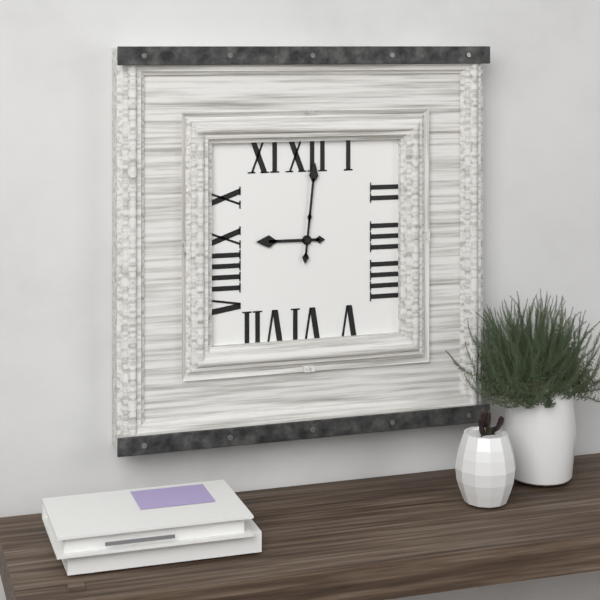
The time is h=9 m=1
